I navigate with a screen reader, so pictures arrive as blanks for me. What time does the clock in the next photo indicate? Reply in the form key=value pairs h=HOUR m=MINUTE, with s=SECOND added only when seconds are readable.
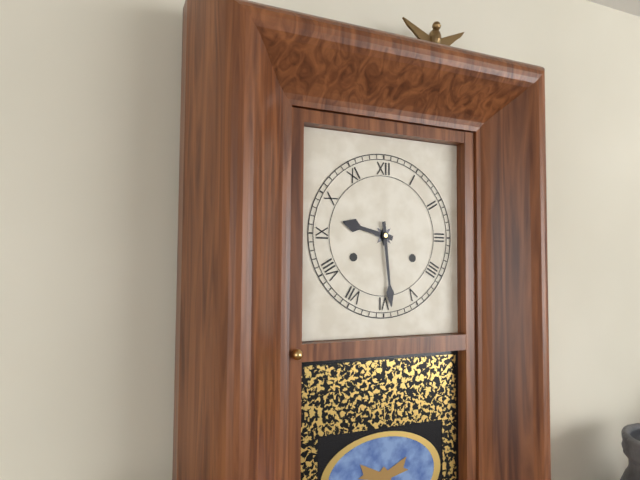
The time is h=9 m=29
